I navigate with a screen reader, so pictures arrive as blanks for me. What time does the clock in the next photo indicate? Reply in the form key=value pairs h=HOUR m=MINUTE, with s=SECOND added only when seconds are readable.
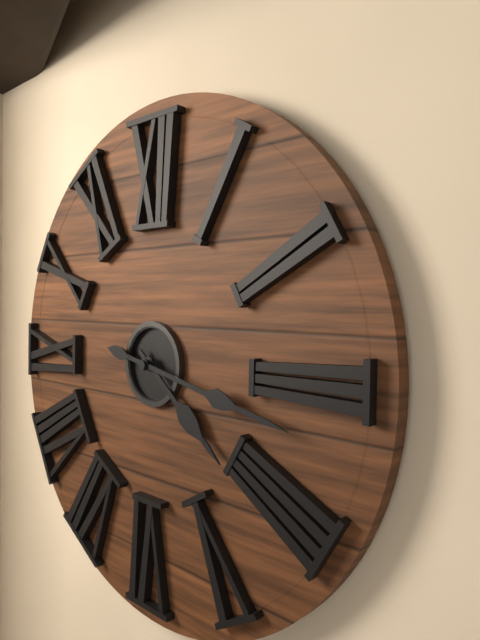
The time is h=4 m=17
